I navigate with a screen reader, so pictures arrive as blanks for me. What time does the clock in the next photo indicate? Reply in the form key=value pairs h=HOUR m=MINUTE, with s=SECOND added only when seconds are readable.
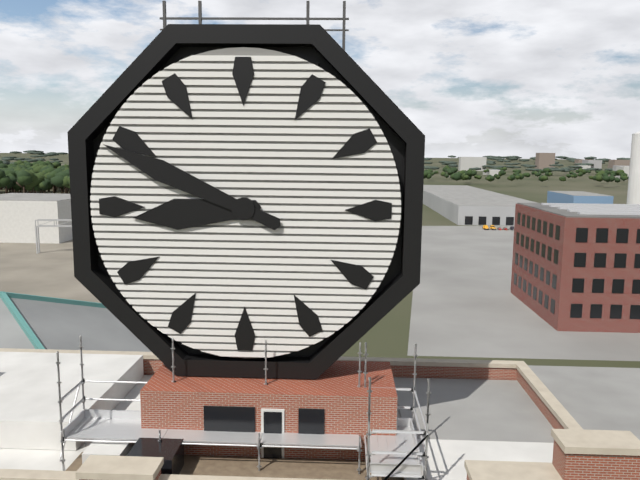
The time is h=8 m=49
